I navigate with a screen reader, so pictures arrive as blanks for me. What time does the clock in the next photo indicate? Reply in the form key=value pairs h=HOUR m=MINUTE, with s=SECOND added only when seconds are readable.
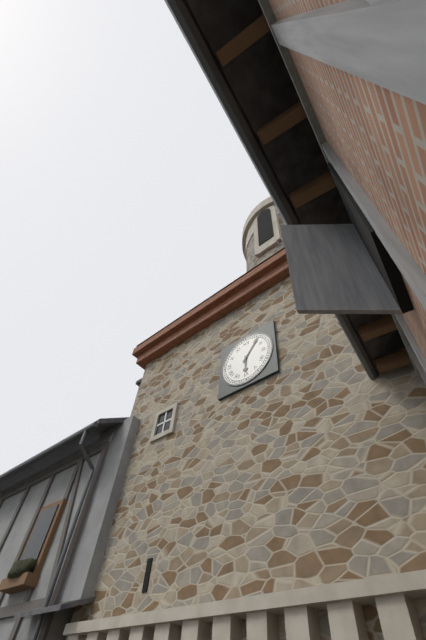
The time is h=6 m=6
